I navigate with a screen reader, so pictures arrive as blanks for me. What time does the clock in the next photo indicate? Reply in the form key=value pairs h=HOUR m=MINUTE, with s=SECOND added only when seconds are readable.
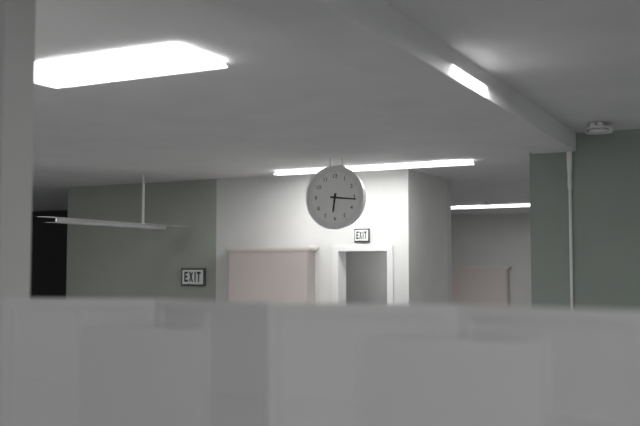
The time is h=6 m=16
